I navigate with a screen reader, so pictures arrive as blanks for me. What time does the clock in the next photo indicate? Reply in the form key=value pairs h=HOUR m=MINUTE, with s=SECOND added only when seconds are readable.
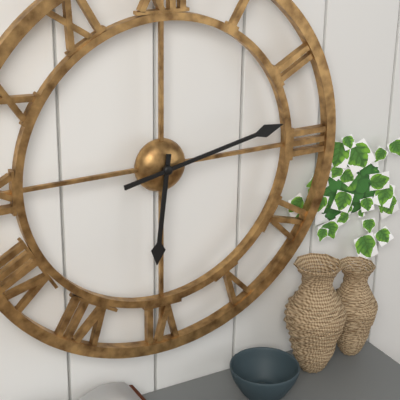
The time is h=6 m=13
